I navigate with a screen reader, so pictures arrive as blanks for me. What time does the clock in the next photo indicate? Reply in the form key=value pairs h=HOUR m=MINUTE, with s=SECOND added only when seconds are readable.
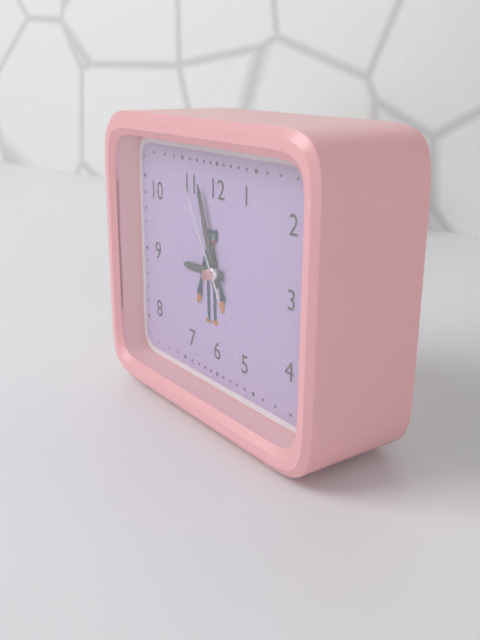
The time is h=8 m=57 s=55
